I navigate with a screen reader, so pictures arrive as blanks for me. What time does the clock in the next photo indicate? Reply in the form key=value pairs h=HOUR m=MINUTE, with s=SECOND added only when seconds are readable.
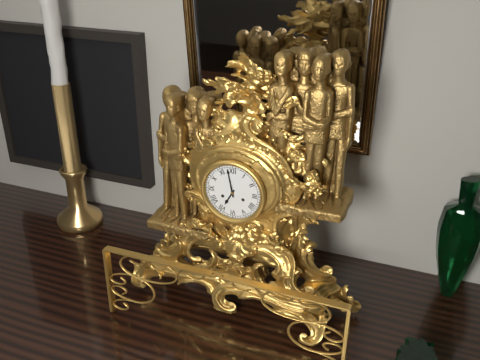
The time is h=6 m=58
